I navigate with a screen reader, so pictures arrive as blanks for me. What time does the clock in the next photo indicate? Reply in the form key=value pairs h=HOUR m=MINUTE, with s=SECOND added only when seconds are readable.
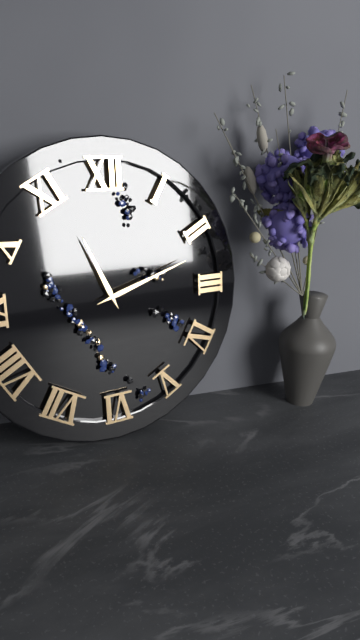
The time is h=11 m=12
